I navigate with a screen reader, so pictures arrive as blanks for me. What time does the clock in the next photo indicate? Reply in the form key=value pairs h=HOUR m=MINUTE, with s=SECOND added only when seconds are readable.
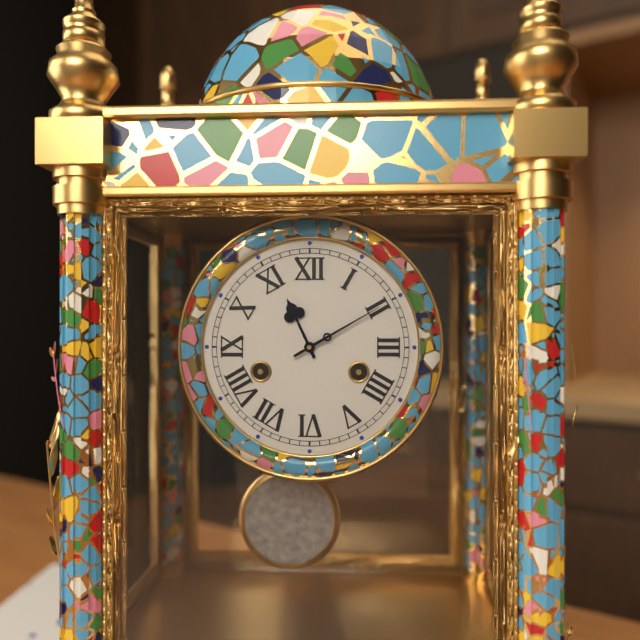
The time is h=11 m=10
